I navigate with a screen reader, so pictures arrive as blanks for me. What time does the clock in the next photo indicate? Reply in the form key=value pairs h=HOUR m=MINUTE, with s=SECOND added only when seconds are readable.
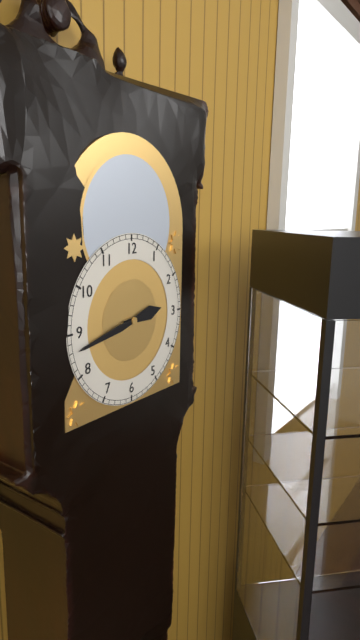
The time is h=2 m=43
